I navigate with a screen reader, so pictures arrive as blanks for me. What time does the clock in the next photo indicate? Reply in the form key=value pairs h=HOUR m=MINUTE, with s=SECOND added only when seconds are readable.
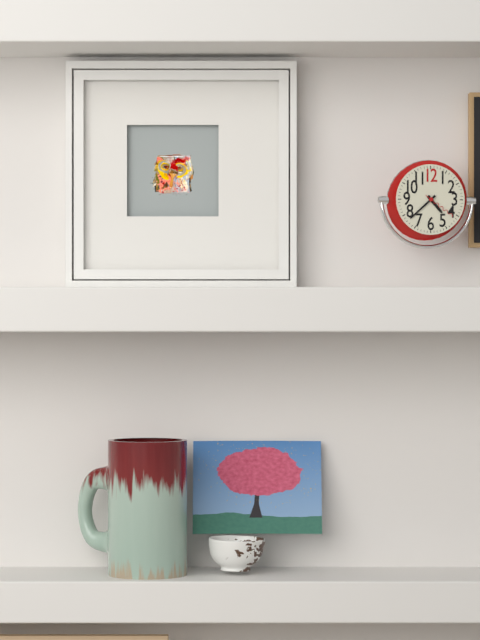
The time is h=4 m=38
